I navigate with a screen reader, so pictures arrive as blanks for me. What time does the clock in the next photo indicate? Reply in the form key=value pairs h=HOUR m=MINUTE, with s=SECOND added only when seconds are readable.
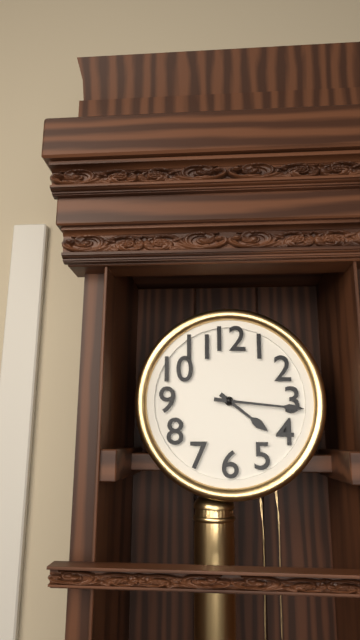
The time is h=4 m=16
